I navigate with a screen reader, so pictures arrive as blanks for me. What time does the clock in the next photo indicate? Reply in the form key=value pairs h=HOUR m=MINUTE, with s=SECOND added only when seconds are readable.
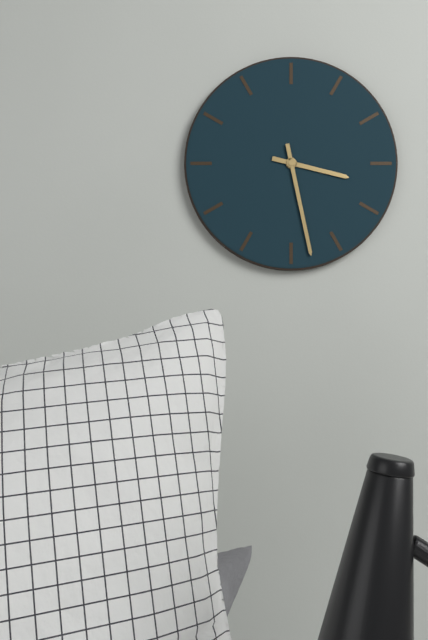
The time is h=3 m=28
